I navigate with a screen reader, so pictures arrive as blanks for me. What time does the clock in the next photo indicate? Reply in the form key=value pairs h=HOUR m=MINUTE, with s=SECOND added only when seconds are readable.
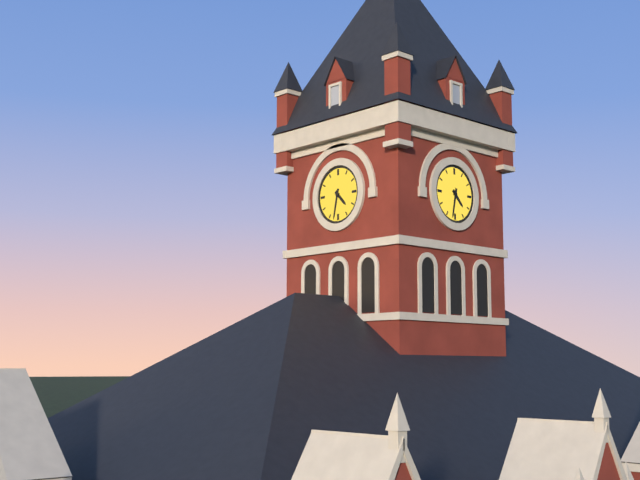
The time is h=4 m=32
